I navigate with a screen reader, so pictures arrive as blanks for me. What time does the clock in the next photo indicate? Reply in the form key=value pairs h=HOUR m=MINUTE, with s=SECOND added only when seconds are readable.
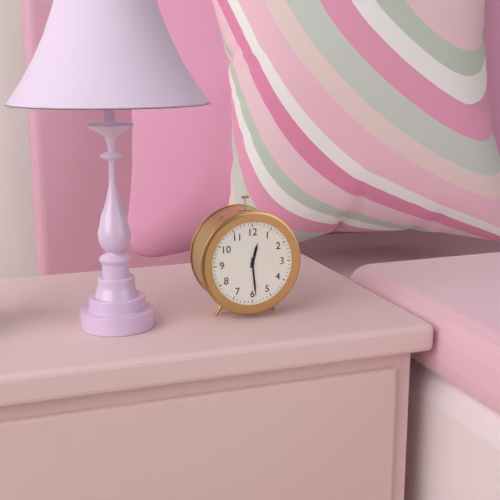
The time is h=12 m=29
